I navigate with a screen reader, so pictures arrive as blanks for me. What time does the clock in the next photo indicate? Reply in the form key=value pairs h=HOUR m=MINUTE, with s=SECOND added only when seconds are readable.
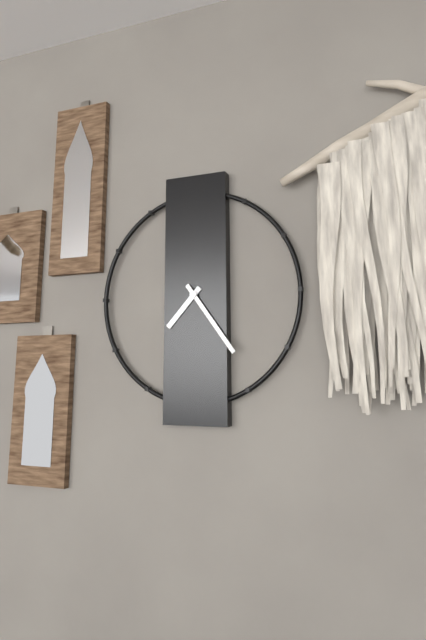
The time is h=7 m=24
